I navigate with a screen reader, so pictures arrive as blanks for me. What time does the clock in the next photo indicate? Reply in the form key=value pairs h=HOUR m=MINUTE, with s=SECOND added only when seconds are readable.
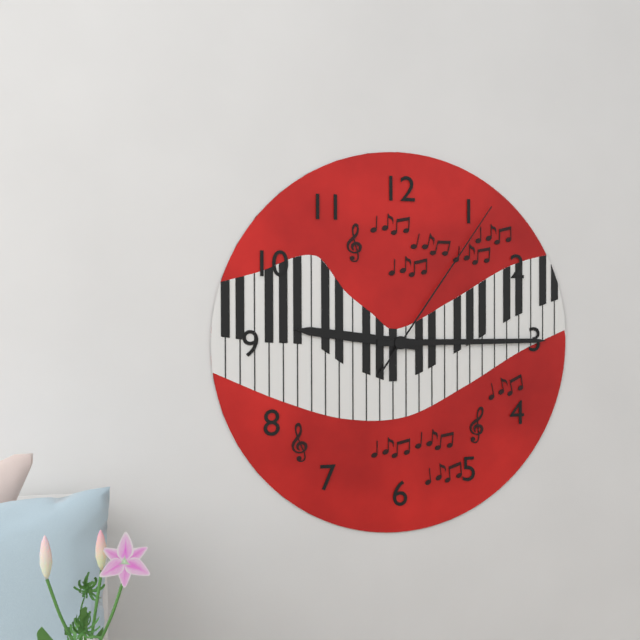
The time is h=9 m=15 s=6
